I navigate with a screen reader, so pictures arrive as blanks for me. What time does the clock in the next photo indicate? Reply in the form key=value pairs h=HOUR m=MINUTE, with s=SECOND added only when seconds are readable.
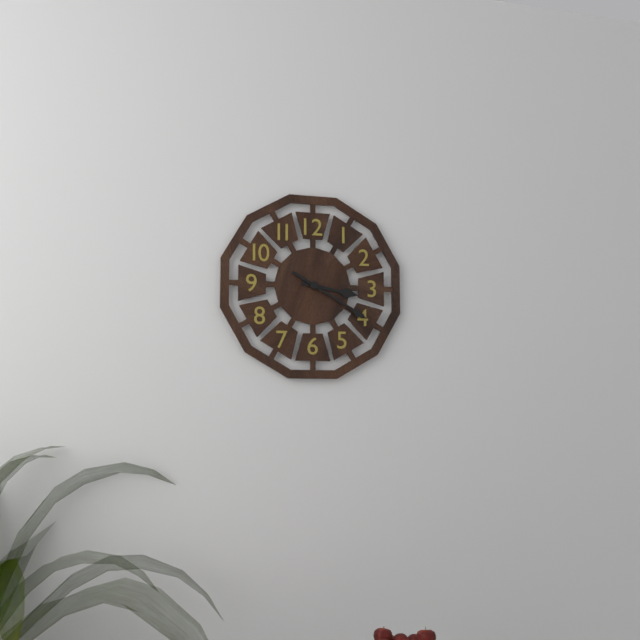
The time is h=3 m=20
